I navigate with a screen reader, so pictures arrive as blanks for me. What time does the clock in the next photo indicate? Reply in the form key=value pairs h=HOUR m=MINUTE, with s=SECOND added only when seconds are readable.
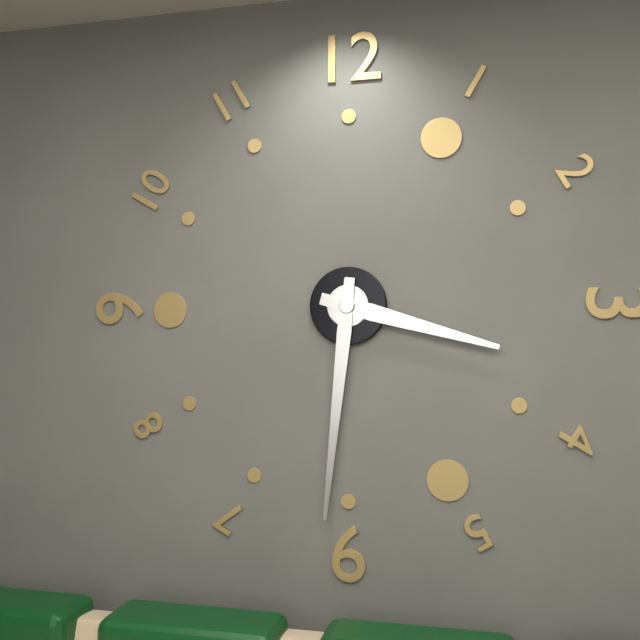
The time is h=3 m=31
